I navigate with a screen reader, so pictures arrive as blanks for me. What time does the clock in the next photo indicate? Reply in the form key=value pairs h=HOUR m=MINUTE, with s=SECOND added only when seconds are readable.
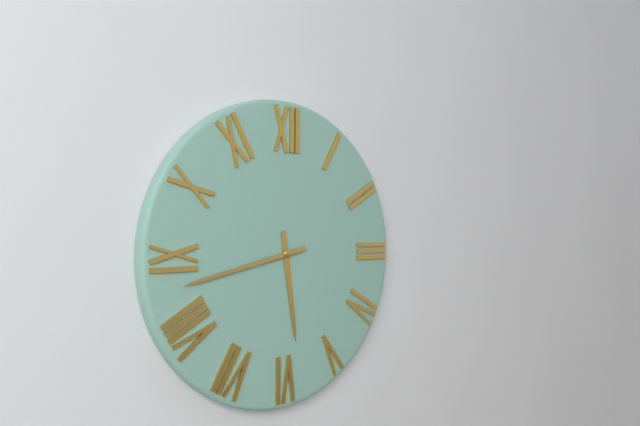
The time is h=5 m=43
